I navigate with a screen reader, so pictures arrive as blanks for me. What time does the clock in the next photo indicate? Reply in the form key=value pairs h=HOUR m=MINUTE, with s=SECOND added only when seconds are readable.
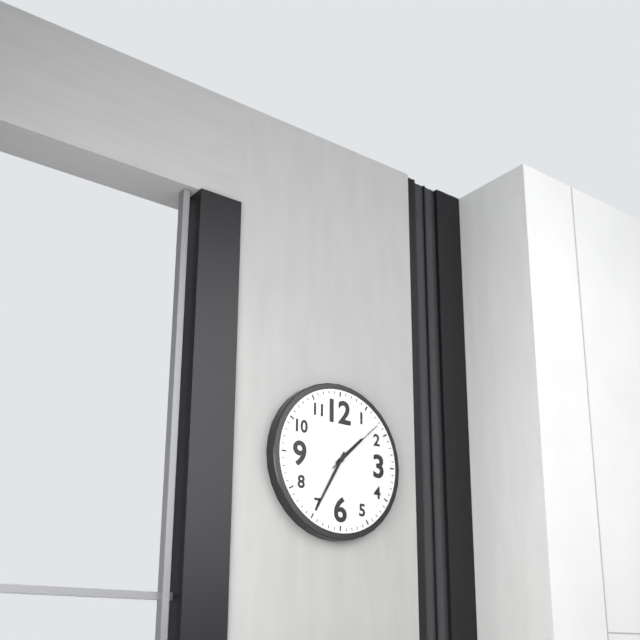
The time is h=1 m=35 s=8
